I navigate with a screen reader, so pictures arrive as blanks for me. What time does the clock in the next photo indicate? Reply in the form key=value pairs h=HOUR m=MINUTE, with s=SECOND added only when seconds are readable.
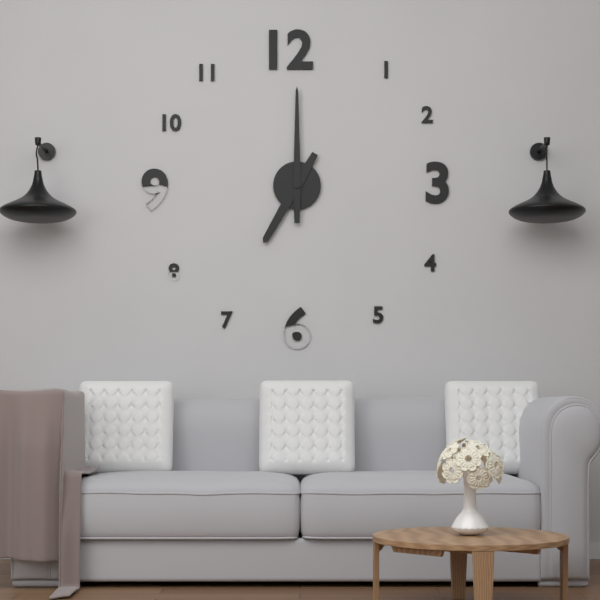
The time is h=7 m=0
